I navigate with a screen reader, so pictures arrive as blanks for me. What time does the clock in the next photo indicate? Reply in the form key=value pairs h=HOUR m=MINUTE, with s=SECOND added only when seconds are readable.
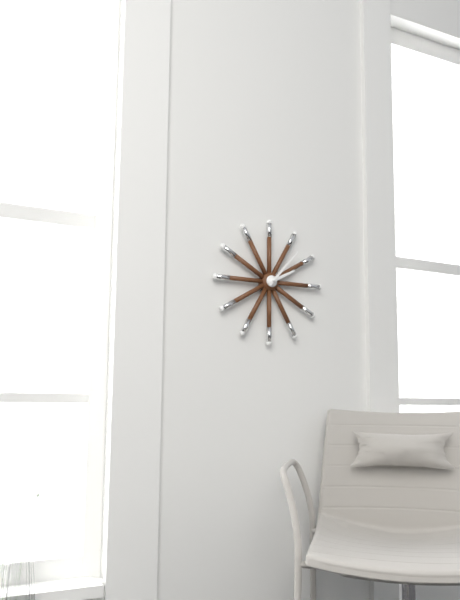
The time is h=2 m=7
